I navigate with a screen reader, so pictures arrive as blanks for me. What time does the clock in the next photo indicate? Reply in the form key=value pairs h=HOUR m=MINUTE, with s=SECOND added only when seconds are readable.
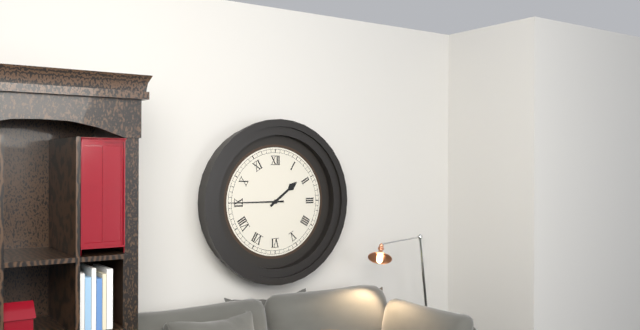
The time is h=1 m=45
